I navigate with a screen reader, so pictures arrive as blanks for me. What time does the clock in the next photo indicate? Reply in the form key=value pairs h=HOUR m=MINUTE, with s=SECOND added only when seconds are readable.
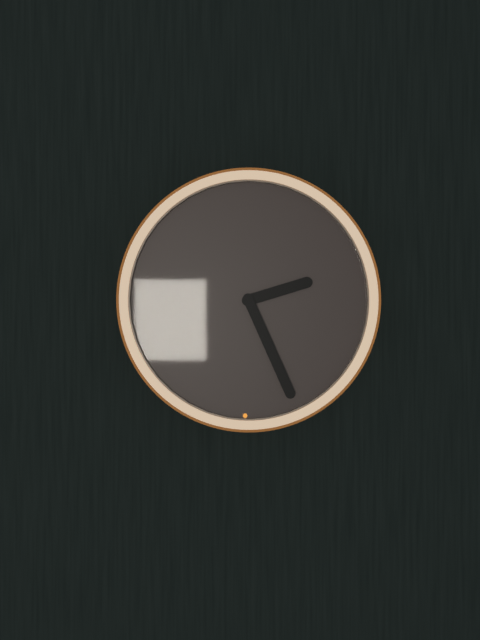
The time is h=2 m=26
